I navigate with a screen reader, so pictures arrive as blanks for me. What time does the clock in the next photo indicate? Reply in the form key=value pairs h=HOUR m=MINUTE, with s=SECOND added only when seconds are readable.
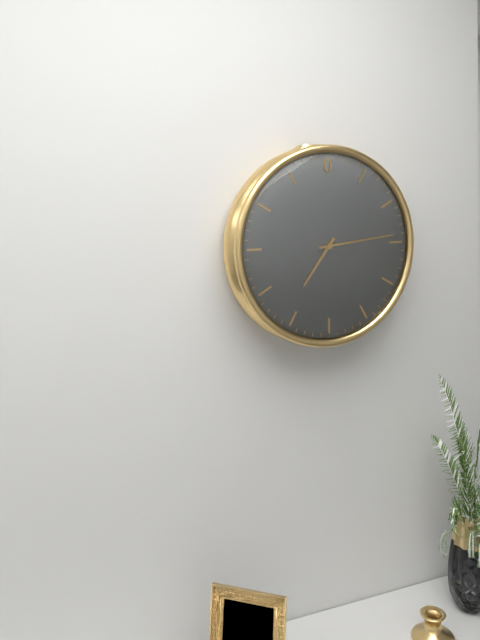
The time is h=7 m=14
